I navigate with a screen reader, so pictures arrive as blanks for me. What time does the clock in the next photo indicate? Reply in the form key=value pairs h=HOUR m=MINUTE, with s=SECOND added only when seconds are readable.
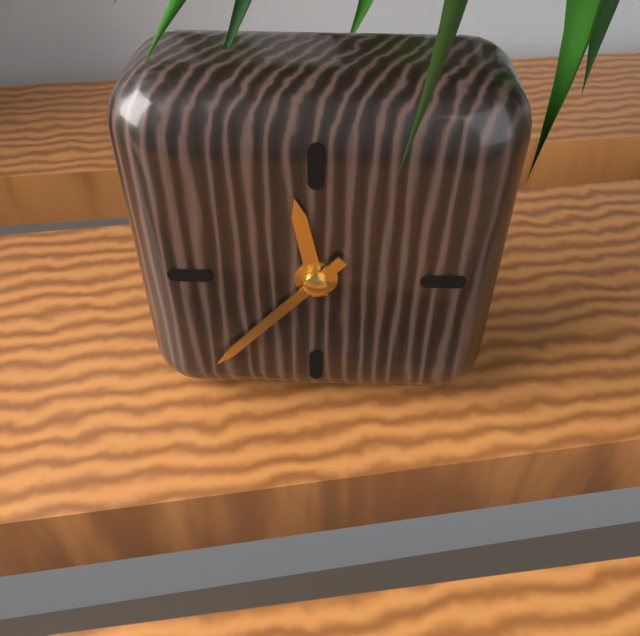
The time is h=11 m=37
